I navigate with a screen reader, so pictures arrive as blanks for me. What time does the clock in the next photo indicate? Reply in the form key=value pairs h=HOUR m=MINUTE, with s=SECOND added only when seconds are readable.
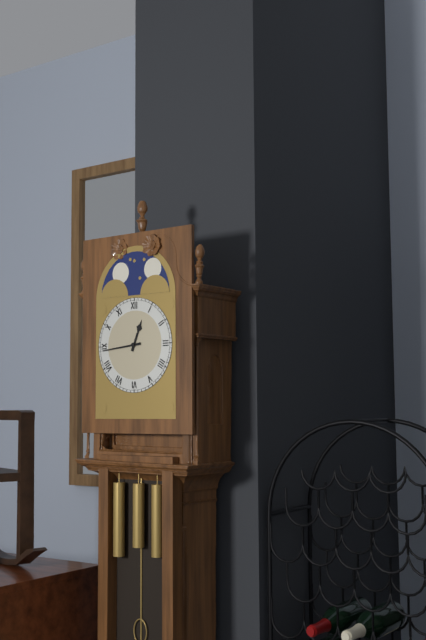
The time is h=12 m=44
